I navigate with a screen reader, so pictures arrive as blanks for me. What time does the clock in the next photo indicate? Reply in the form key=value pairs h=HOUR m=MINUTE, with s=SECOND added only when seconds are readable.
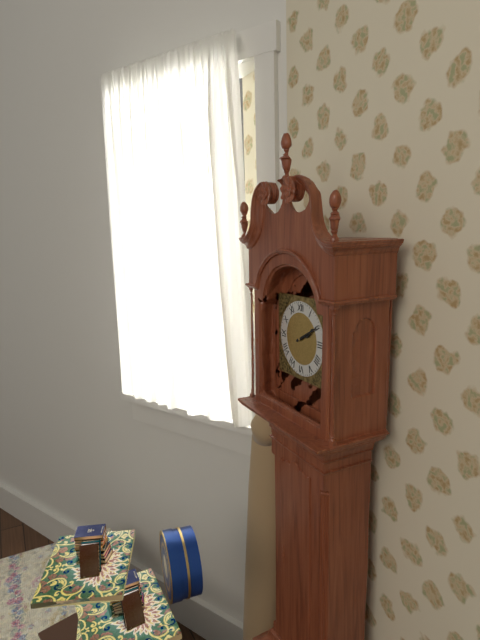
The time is h=2 m=10
